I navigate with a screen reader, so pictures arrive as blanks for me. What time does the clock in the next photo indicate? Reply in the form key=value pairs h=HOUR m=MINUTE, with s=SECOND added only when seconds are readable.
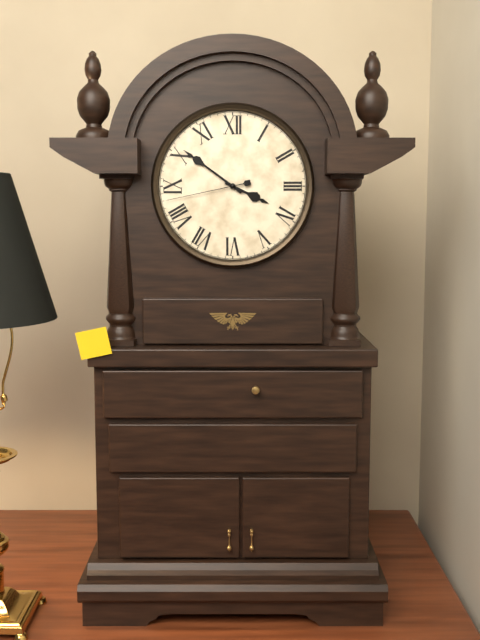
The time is h=3 m=51 s=43
